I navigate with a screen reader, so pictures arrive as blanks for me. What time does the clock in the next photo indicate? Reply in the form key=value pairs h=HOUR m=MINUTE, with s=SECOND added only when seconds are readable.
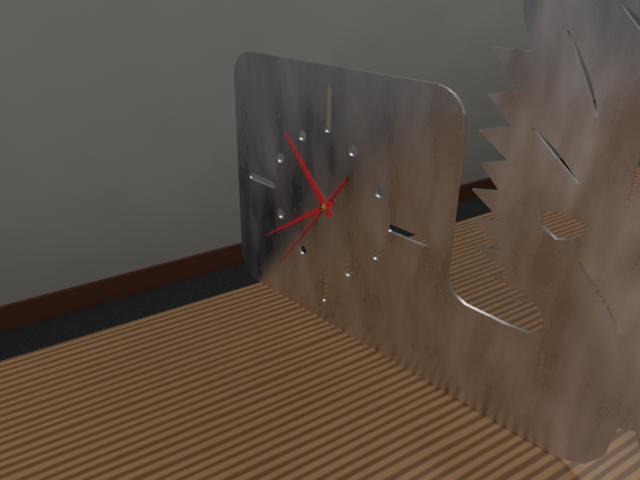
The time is h=10 m=39 s=36
